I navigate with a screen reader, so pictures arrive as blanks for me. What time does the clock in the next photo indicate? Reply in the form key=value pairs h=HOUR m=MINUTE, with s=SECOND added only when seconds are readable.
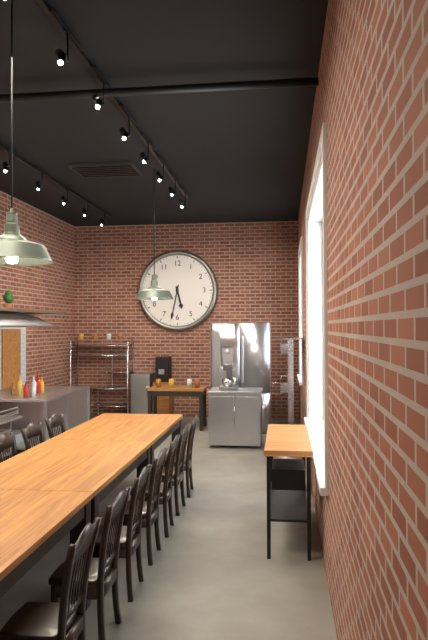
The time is h=5 m=32
